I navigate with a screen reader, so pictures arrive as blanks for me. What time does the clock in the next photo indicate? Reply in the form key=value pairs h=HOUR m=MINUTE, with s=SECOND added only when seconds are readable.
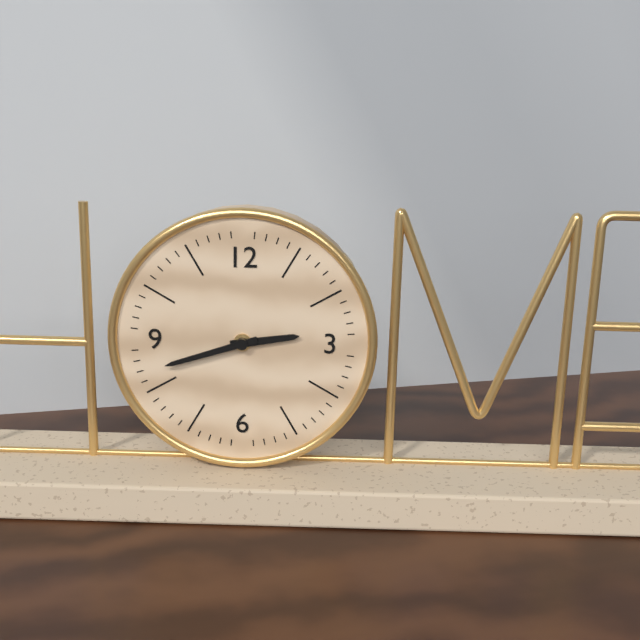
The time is h=2 m=42
